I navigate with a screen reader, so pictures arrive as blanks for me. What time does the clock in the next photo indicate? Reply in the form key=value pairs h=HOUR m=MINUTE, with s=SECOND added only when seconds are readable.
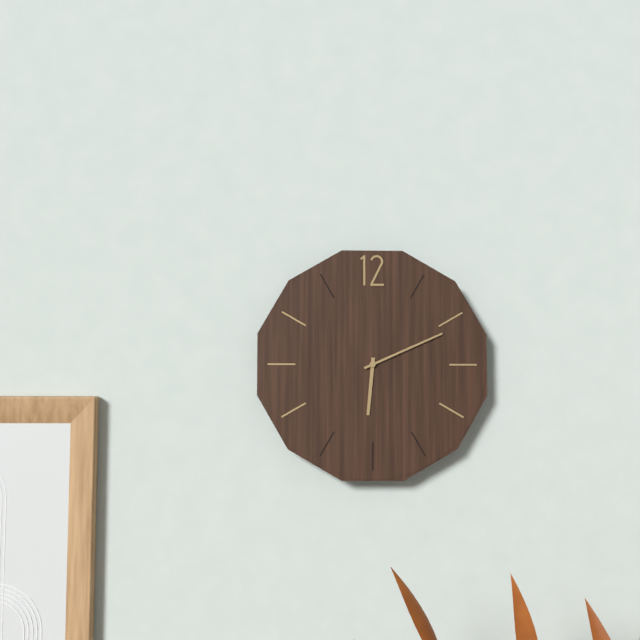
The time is h=6 m=11
